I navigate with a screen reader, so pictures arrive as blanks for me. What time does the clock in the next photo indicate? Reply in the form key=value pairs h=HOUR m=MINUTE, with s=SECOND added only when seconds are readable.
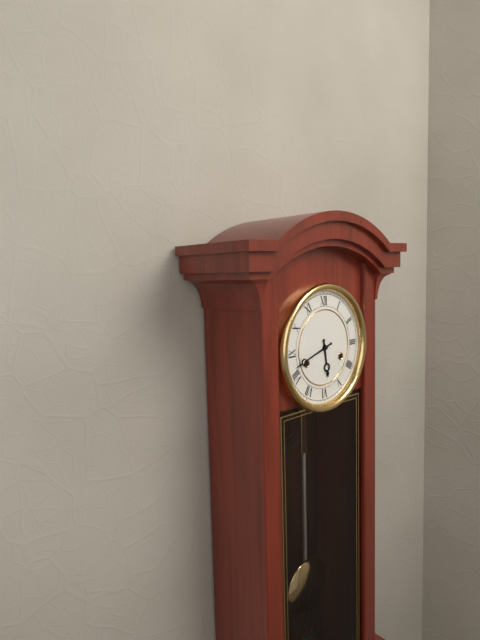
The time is h=5 m=42
